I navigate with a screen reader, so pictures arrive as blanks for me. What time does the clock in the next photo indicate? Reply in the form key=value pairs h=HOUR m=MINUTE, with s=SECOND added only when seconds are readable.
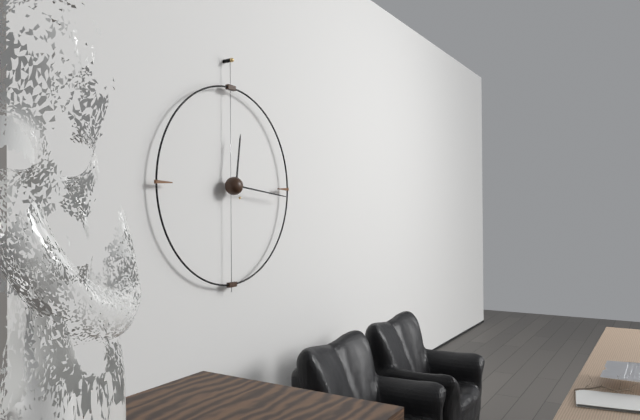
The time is h=12 m=16
